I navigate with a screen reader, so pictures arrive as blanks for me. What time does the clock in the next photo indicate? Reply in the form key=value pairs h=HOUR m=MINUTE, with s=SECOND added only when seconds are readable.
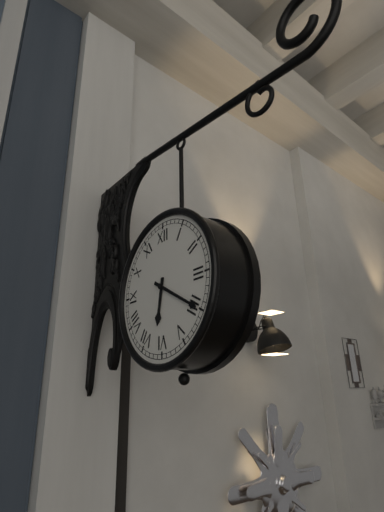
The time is h=6 m=20
